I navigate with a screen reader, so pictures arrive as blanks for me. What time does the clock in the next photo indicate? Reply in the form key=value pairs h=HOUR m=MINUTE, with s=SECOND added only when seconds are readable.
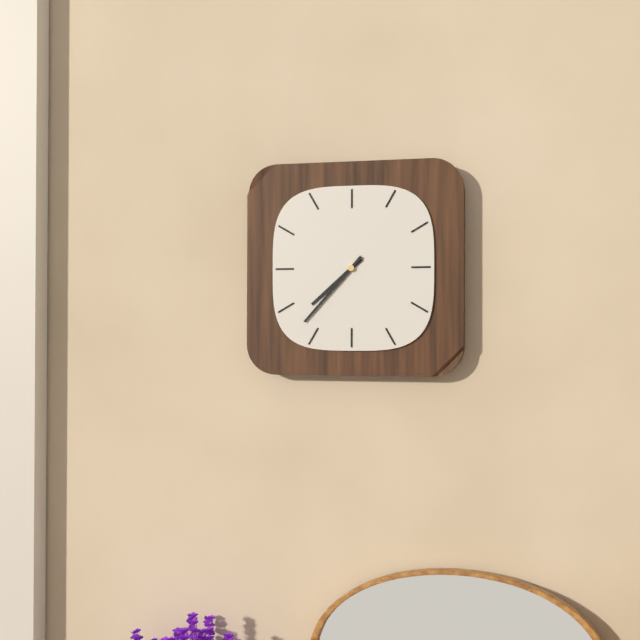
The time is h=7 m=37
